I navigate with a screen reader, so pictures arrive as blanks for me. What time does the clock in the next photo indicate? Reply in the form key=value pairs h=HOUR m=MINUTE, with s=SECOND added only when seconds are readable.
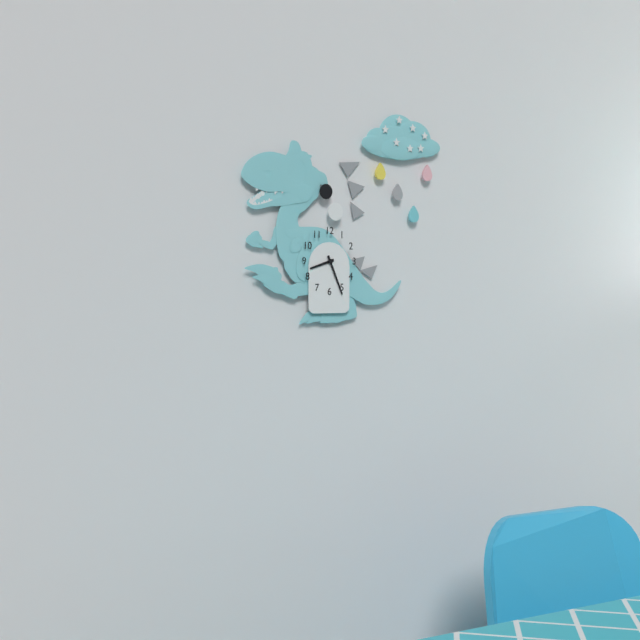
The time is h=8 m=26
